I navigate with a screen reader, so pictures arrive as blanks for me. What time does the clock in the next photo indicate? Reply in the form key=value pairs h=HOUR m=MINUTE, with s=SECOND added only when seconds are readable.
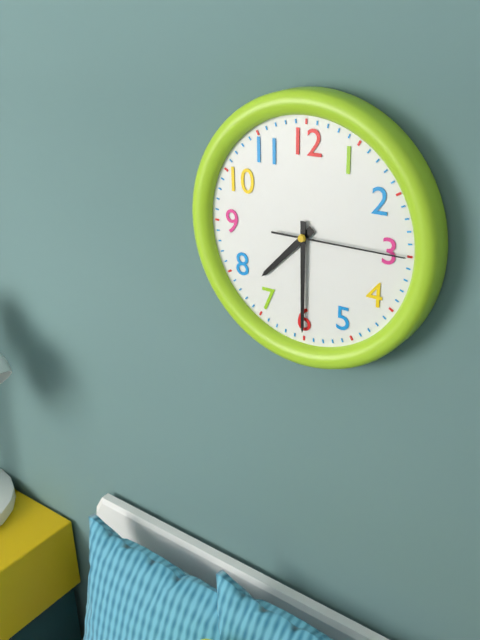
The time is h=7 m=30 s=15
